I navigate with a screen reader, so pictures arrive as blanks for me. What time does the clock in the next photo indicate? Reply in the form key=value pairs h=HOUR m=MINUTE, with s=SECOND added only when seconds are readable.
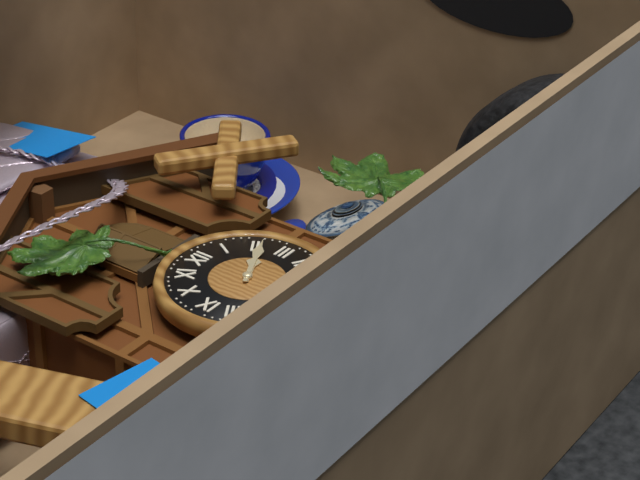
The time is h=2 m=11
